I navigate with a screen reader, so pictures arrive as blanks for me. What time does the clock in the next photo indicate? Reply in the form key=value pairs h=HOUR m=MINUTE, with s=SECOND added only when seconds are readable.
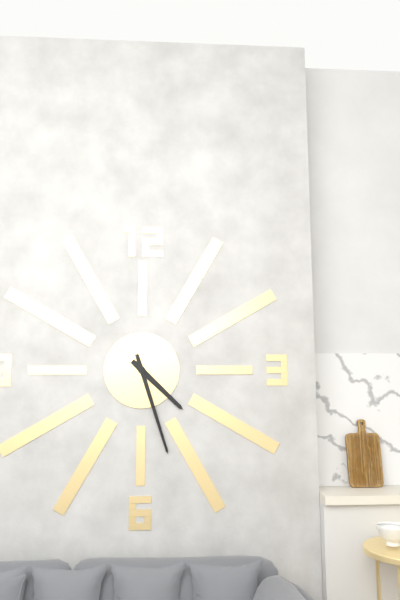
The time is h=4 m=27
